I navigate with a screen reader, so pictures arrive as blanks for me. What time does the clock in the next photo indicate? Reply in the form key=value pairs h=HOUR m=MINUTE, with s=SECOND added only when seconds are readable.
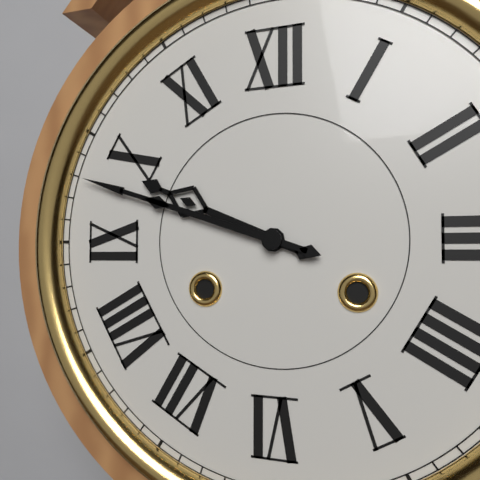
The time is h=9 m=48
